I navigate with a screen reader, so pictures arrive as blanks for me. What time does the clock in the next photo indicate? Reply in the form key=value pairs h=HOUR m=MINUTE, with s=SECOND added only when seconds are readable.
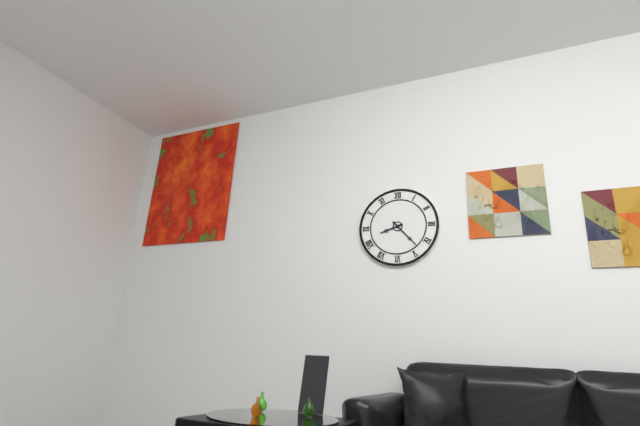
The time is h=8 m=23
